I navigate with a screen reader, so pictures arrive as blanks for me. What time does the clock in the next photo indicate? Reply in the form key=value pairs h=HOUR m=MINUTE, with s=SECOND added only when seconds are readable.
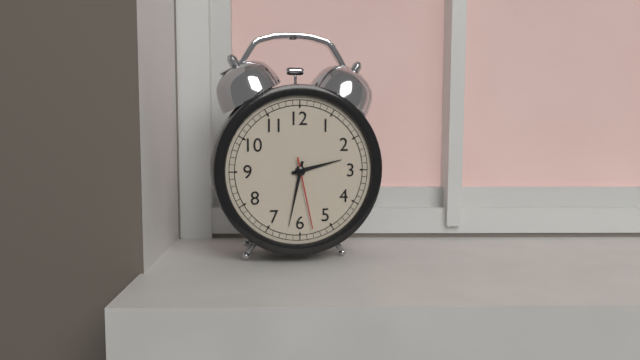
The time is h=2 m=32 s=28
